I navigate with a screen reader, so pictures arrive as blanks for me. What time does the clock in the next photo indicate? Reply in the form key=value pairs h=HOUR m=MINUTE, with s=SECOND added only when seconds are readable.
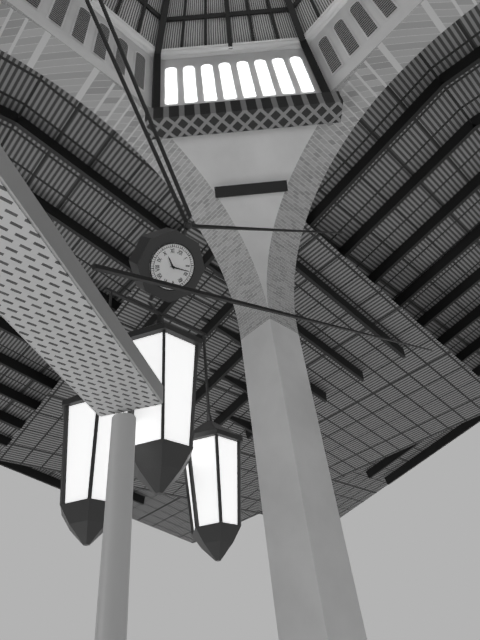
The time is h=10 m=13
